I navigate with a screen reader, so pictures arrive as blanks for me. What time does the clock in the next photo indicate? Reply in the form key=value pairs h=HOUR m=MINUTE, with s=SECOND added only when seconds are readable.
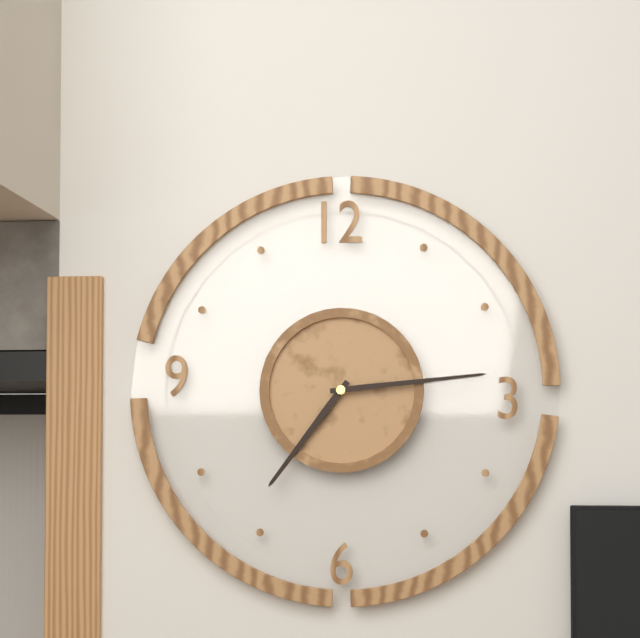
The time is h=7 m=14
